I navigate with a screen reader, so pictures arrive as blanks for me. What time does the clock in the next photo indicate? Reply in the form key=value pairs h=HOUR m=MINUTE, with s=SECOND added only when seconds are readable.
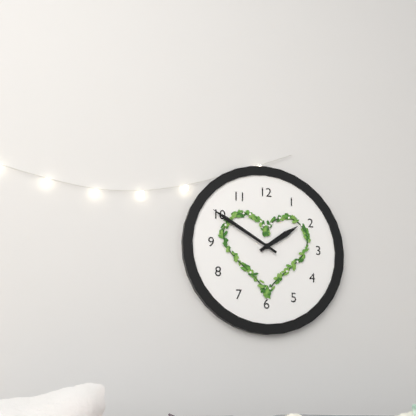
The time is h=1 m=50
